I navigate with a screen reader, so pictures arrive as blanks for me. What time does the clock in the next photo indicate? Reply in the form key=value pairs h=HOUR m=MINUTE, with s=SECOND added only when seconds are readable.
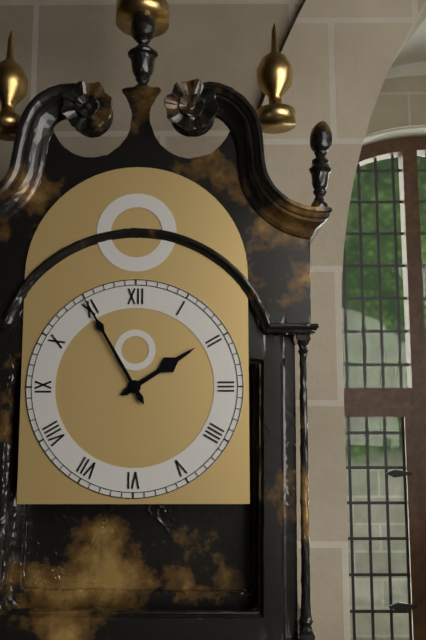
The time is h=1 m=55
